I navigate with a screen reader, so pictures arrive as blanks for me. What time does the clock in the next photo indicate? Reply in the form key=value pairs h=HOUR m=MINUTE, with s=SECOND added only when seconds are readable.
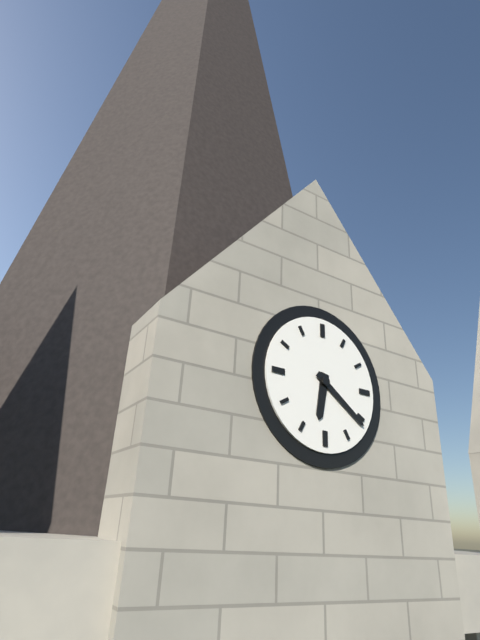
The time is h=6 m=21
